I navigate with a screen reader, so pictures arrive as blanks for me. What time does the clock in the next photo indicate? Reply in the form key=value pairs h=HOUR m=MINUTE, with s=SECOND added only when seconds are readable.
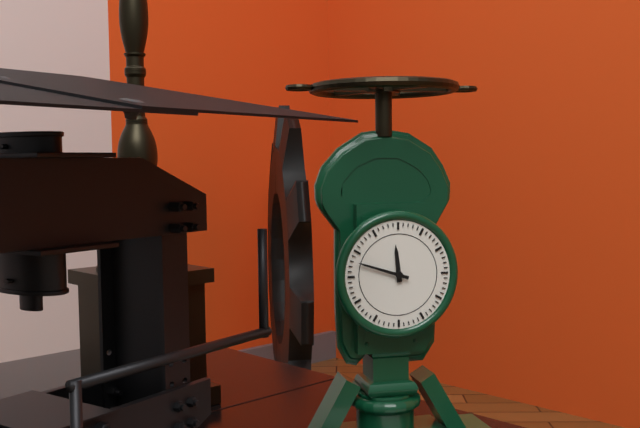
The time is h=11 m=48
